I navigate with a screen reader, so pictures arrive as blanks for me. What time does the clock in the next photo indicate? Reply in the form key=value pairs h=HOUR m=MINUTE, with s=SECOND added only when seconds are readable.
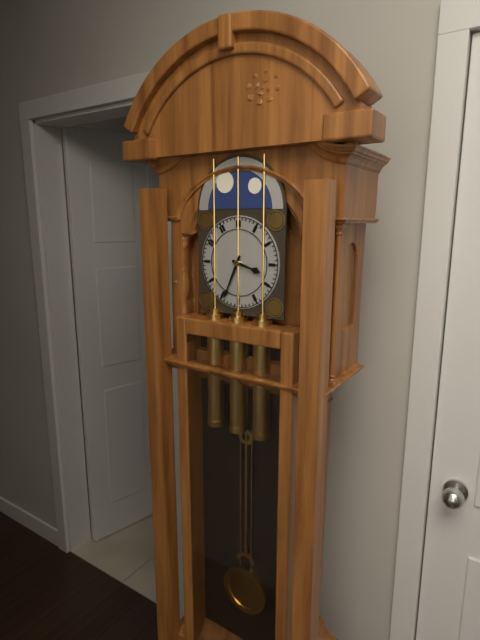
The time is h=3 m=34
